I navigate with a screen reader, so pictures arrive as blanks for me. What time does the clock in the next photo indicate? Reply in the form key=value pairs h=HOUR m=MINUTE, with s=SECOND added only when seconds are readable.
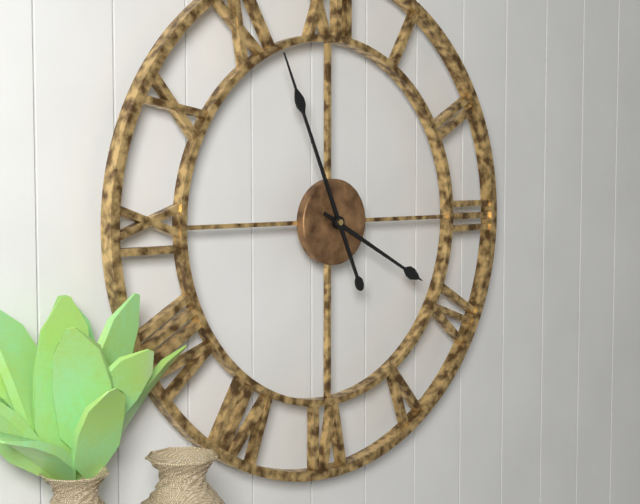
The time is h=3 m=56
